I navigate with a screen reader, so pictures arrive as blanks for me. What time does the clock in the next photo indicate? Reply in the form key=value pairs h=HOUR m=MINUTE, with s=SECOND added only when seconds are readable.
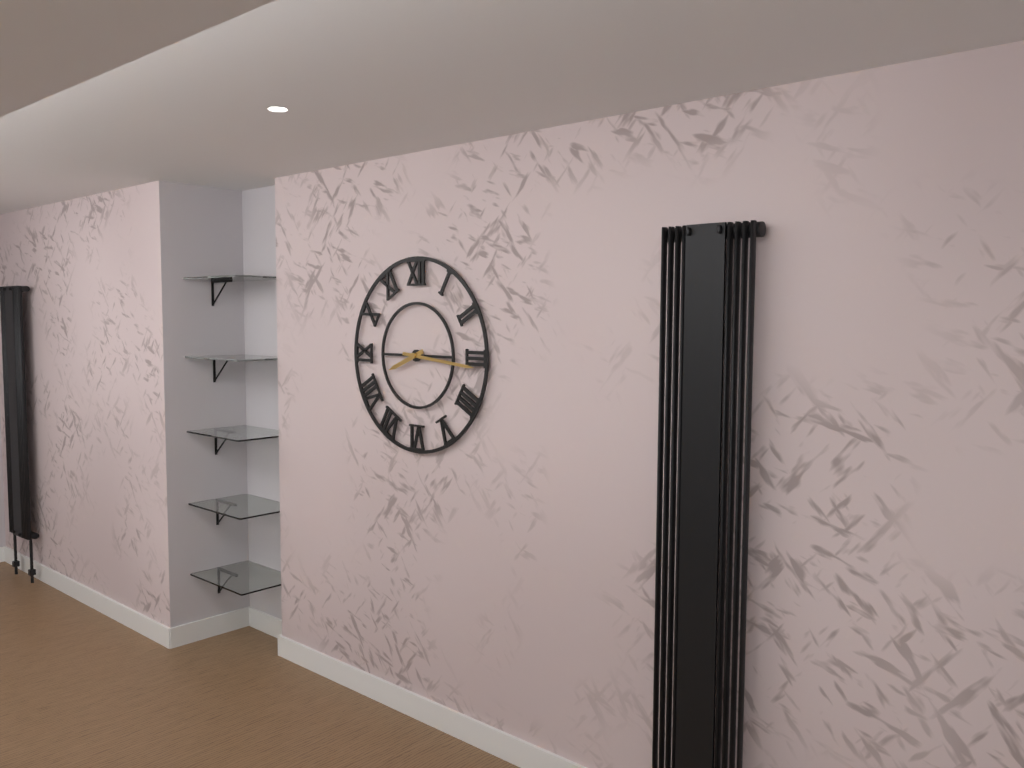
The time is h=8 m=16
